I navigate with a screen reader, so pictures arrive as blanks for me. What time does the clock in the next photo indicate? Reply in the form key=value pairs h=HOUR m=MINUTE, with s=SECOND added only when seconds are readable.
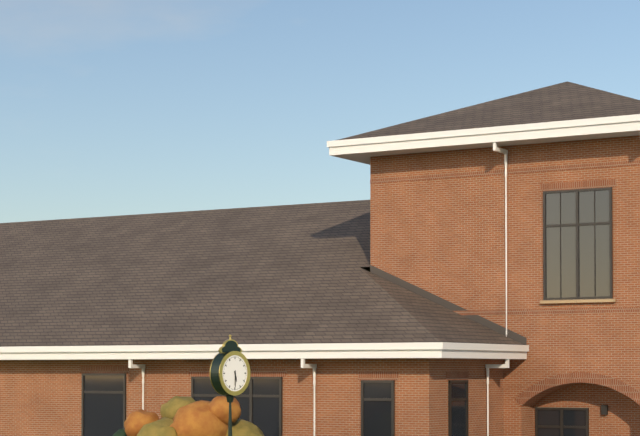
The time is h=5 m=30
